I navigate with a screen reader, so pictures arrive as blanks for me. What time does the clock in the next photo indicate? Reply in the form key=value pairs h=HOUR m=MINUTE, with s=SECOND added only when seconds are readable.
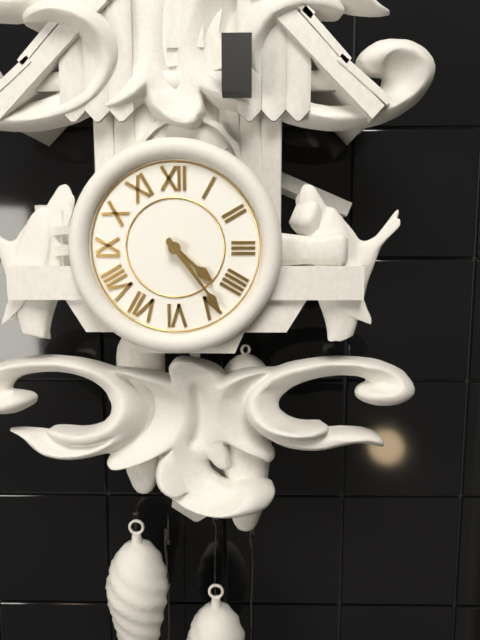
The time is h=4 m=24
